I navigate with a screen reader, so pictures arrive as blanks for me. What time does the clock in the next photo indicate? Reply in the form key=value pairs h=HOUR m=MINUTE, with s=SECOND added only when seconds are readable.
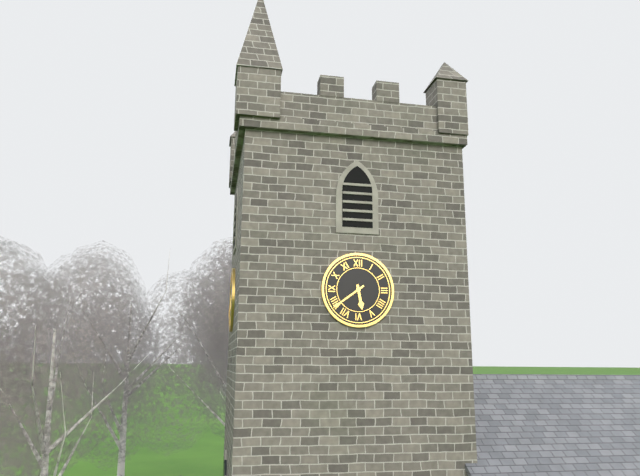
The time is h=5 m=39
